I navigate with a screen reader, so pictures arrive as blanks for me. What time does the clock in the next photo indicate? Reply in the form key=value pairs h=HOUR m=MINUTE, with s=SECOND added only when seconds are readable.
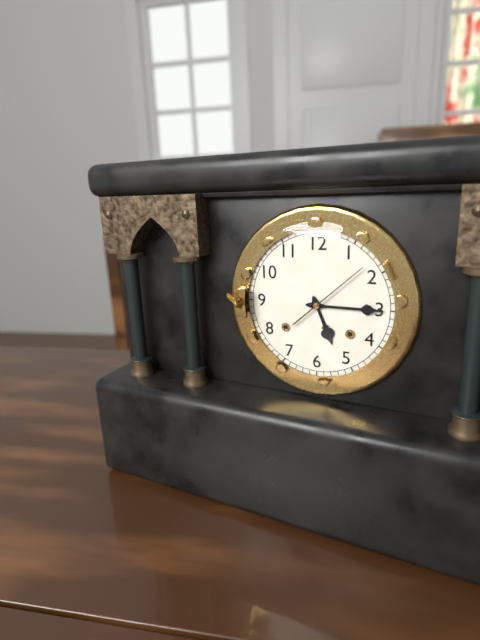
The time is h=5 m=15 s=8
